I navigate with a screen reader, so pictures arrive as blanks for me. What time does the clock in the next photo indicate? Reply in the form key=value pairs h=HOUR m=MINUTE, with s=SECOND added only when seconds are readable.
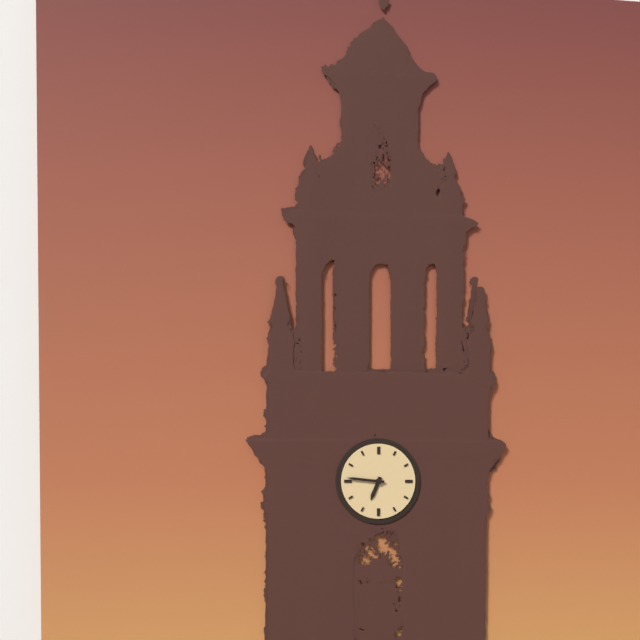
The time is h=6 m=46
